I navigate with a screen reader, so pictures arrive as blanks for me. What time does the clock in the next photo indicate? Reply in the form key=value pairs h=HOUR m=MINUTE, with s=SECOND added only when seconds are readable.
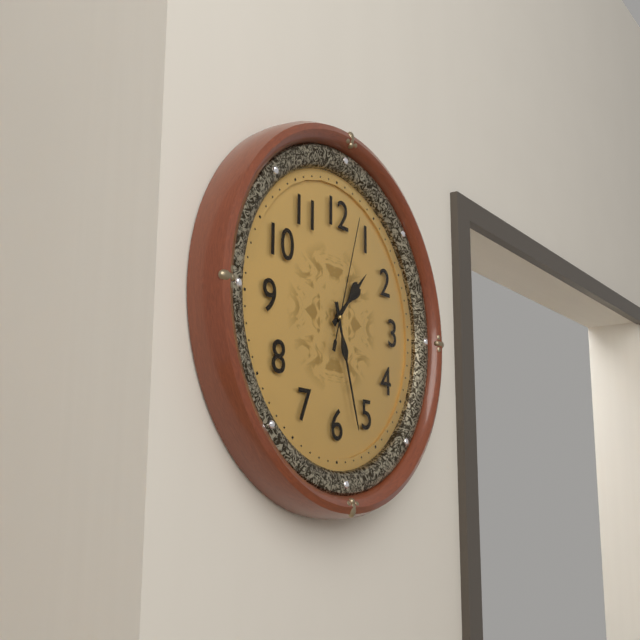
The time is h=1 m=27 s=3
